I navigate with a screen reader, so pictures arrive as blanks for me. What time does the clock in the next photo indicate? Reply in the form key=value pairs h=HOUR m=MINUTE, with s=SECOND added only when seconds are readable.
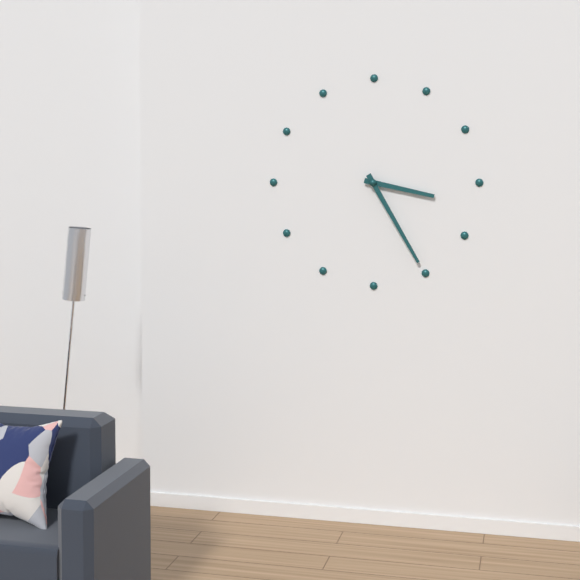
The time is h=3 m=25
